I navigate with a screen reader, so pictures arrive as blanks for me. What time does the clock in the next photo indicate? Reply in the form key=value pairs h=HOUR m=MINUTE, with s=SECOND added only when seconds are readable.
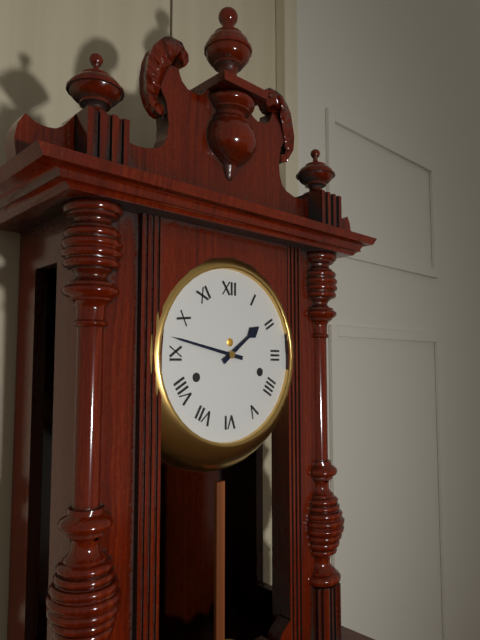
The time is h=1 m=47
